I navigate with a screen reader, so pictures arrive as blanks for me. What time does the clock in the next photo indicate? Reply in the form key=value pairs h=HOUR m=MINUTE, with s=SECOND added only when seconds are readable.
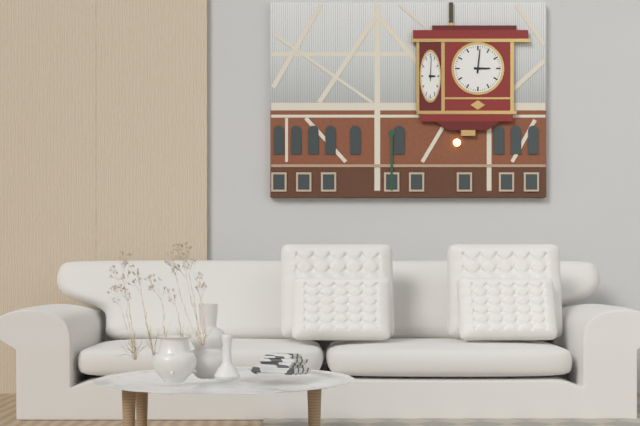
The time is h=3 m=1
